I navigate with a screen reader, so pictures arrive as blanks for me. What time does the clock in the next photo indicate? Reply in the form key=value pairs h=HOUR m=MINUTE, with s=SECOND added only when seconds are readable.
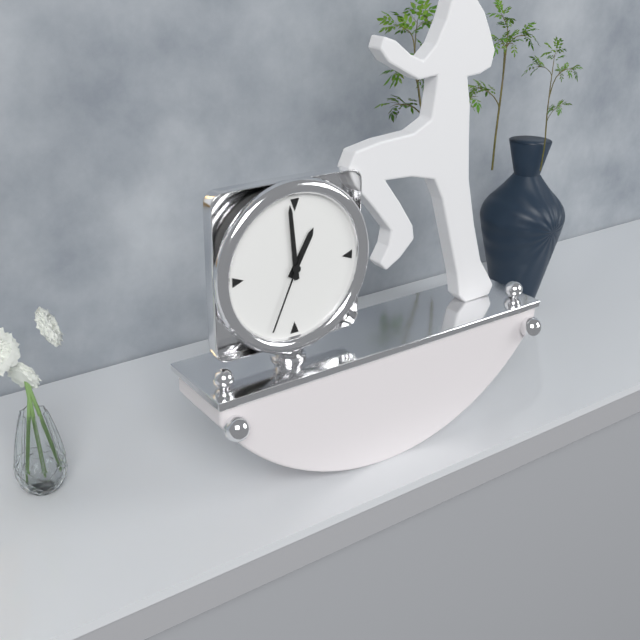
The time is h=12 m=59 s=34
